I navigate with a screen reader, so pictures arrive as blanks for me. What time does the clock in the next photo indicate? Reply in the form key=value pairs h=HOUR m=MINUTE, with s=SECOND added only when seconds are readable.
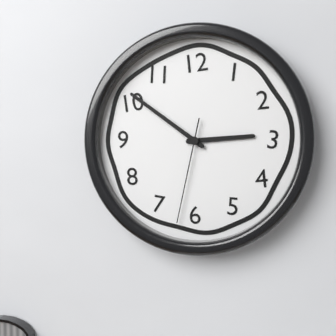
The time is h=2 m=51 s=32
